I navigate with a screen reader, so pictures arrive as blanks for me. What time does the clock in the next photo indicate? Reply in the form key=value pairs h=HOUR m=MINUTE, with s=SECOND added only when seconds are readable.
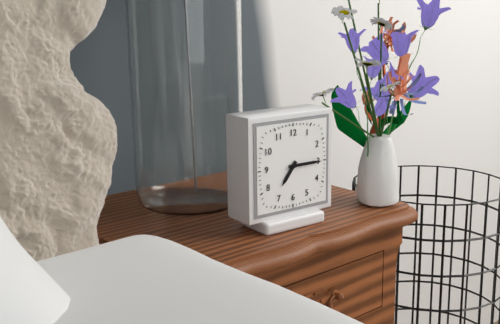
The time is h=7 m=15
